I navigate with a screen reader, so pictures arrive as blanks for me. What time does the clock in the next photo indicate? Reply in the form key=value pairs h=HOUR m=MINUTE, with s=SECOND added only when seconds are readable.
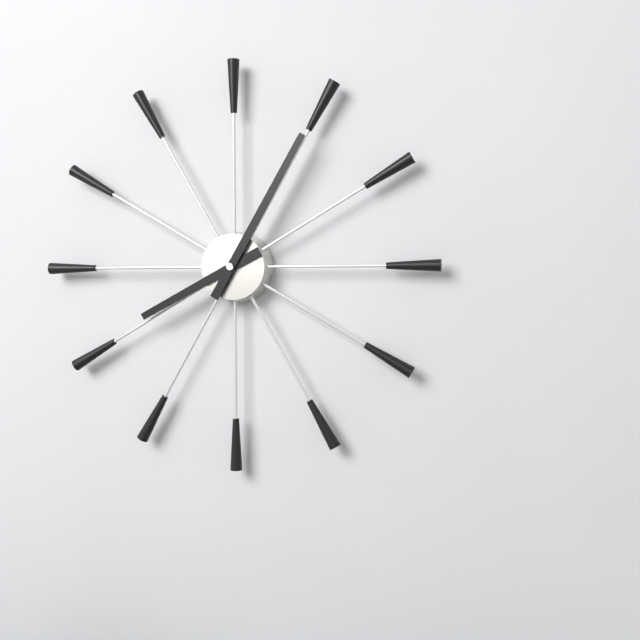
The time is h=8 m=5
